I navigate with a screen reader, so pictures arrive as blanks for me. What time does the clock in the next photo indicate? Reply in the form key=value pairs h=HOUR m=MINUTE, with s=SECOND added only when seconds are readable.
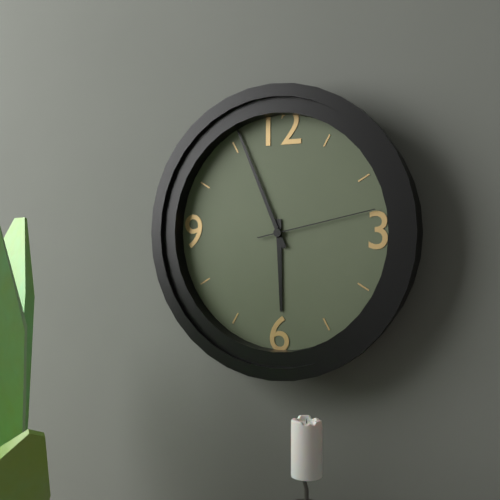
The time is h=5 m=56 s=13
